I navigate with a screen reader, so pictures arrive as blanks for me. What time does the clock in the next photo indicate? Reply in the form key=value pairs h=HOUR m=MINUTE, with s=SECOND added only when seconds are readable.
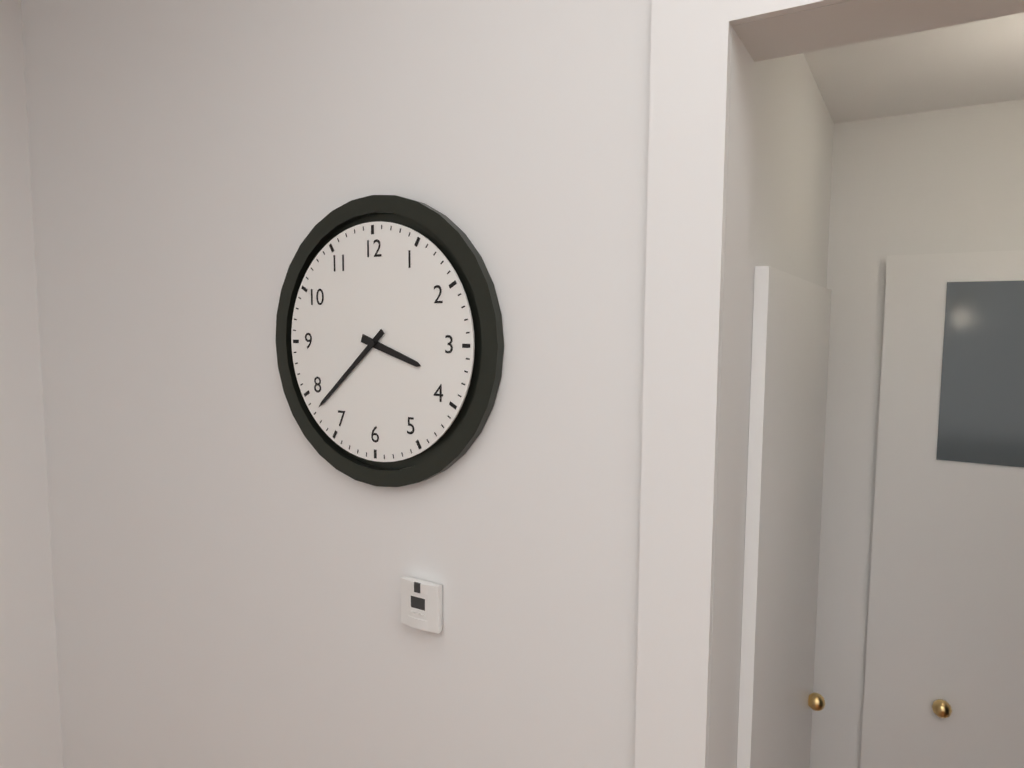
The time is h=3 m=38
